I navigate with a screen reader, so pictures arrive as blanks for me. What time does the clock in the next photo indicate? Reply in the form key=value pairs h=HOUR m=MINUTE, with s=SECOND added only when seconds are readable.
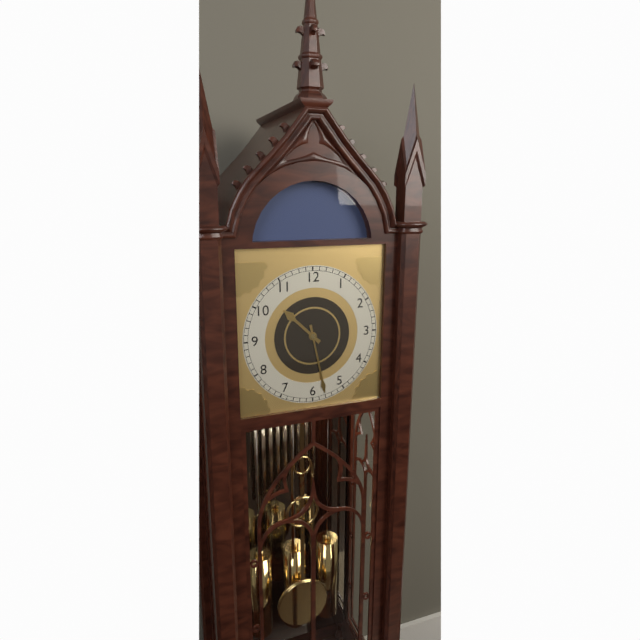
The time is h=10 m=28
